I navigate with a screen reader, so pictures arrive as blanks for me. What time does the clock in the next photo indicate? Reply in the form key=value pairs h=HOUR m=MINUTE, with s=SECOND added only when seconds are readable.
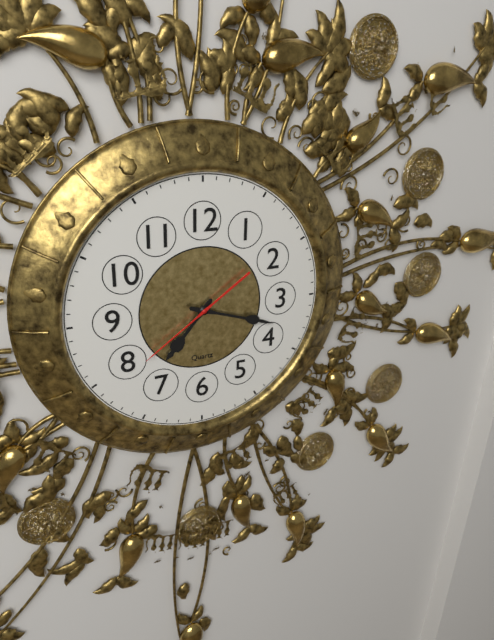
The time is h=7 m=18 s=39
